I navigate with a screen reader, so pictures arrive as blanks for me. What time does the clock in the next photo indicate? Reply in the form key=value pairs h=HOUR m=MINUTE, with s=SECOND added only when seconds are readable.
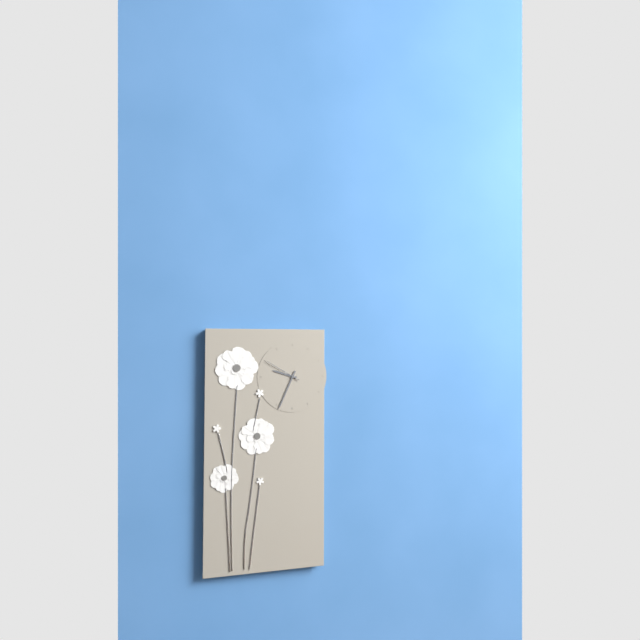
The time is h=9 m=34
